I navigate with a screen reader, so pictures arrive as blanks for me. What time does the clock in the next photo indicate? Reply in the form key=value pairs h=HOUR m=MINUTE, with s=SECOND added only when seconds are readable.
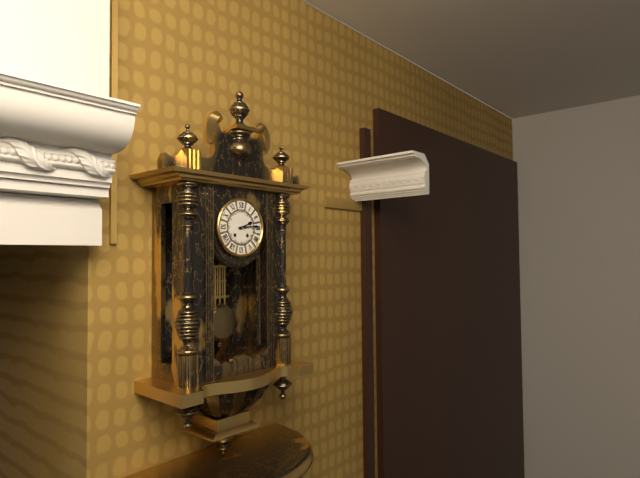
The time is h=2 m=14
